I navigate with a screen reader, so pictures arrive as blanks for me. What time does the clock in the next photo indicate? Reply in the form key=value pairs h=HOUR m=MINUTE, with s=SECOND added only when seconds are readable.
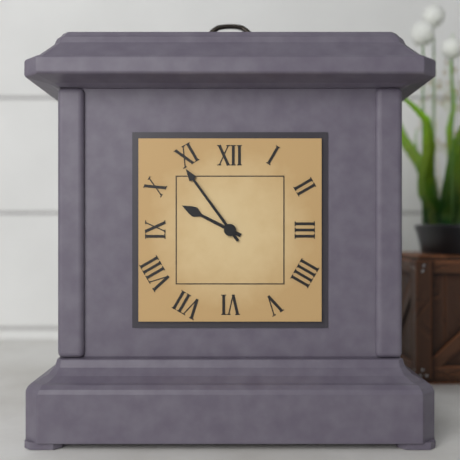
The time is h=9 m=54
